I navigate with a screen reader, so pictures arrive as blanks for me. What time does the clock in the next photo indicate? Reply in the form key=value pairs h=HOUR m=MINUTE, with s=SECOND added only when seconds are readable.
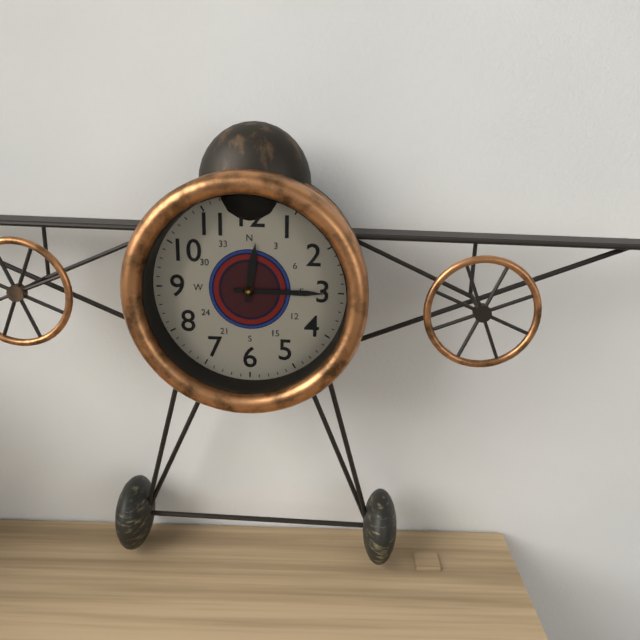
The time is h=12 m=15
